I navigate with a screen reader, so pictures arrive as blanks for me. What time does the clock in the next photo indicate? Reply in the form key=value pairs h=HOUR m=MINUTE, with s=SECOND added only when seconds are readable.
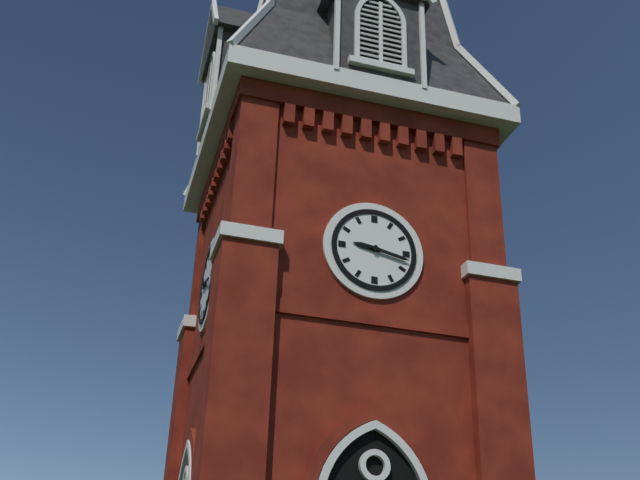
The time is h=9 m=17
